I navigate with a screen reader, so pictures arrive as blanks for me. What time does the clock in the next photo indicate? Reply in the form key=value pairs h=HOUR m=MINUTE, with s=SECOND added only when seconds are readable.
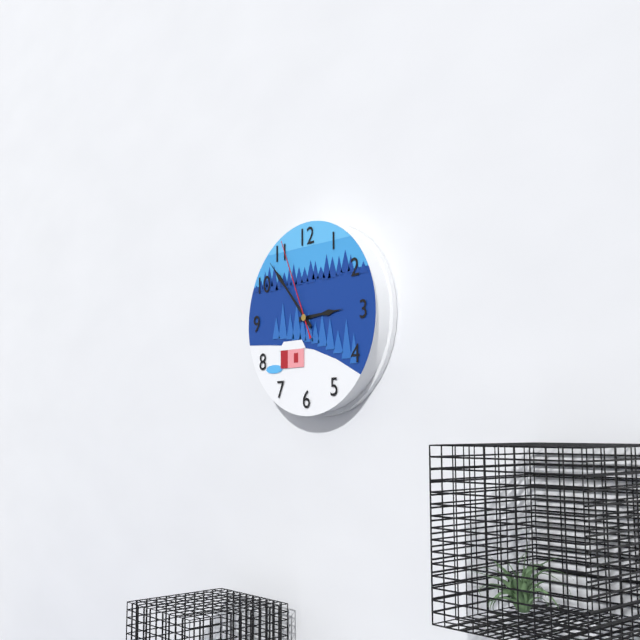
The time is h=2 m=53 s=56
